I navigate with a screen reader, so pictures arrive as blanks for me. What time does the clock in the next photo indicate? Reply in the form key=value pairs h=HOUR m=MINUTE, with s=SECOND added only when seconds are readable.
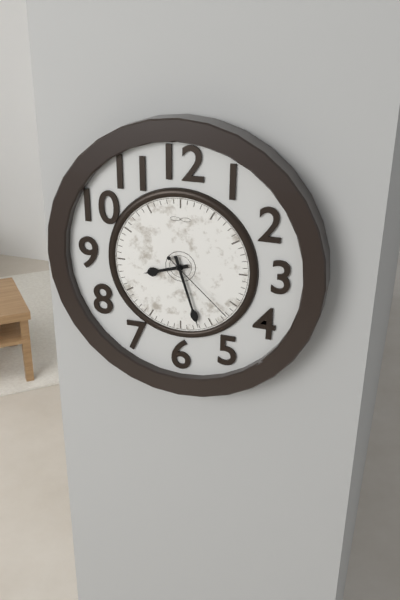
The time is h=8 m=27 s=22
